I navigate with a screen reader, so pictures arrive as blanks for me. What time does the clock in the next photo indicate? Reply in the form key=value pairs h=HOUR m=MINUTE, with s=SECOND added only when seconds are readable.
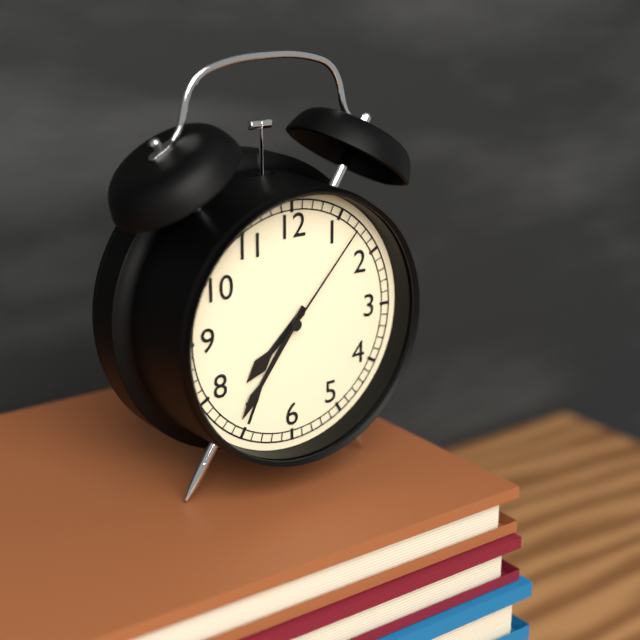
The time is h=7 m=36 s=7
